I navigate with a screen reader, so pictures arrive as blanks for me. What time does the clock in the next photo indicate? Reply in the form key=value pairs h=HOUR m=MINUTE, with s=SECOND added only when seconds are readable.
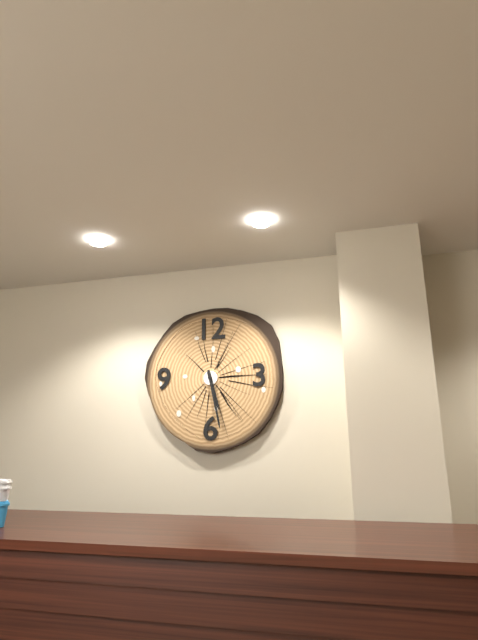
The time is h=5 m=28
